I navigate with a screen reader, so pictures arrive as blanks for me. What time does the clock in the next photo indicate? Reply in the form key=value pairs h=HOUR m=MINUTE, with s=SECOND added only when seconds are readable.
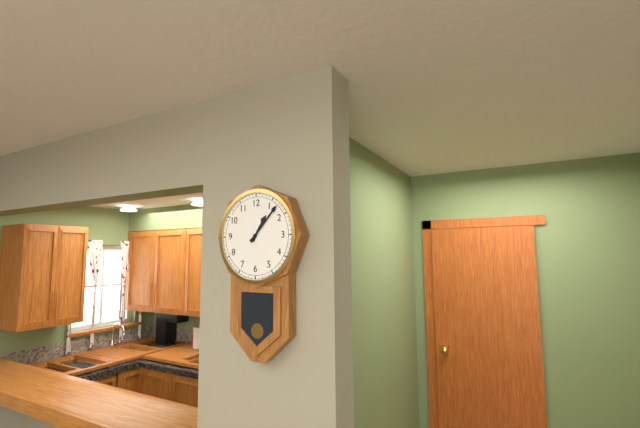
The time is h=1 m=7
